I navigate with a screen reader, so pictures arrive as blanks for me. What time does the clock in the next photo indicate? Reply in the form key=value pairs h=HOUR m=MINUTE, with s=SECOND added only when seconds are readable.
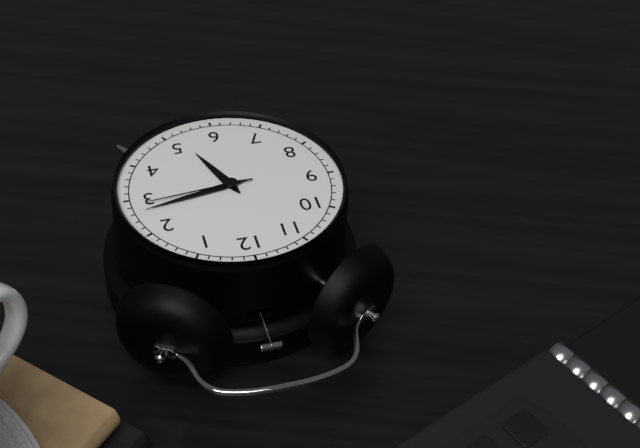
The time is h=5 m=13 s=14
